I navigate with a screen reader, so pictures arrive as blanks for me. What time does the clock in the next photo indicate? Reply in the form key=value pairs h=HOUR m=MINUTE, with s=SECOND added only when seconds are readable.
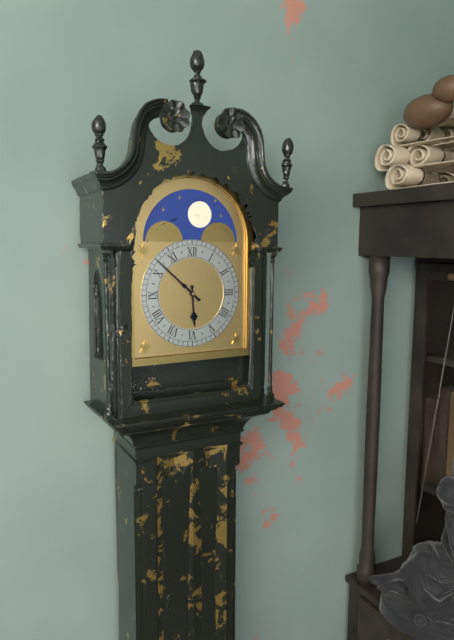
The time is h=5 m=52
